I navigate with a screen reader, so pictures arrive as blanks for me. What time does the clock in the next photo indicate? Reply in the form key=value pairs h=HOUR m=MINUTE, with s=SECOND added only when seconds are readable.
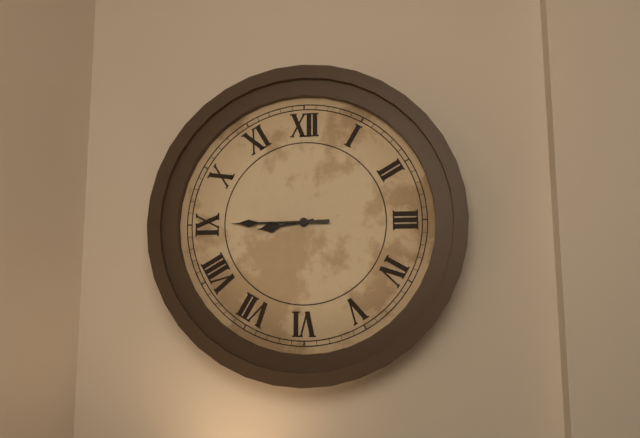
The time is h=8 m=45
